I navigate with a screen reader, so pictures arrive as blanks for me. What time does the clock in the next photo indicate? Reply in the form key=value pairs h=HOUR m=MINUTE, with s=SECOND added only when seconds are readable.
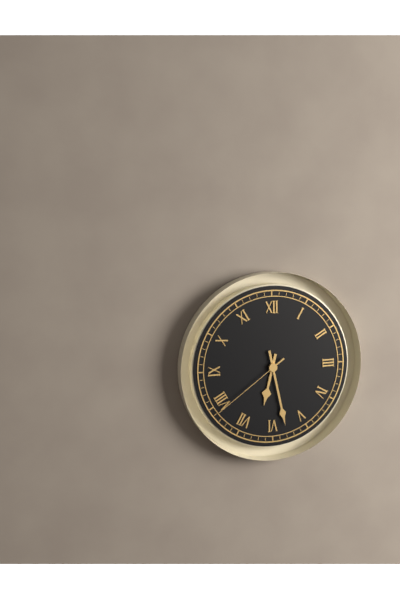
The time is h=6 m=28 s=39
